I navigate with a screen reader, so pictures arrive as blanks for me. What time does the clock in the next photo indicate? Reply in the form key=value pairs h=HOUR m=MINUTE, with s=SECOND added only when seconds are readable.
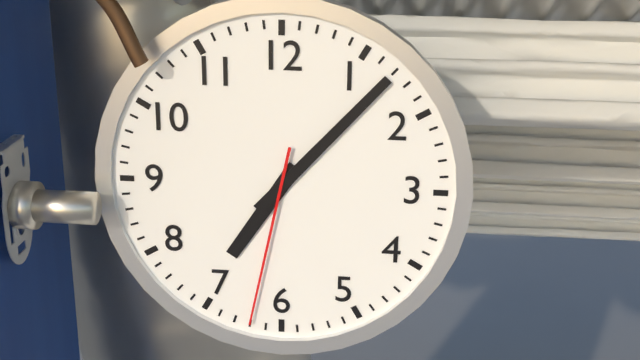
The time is h=7 m=7 s=32
